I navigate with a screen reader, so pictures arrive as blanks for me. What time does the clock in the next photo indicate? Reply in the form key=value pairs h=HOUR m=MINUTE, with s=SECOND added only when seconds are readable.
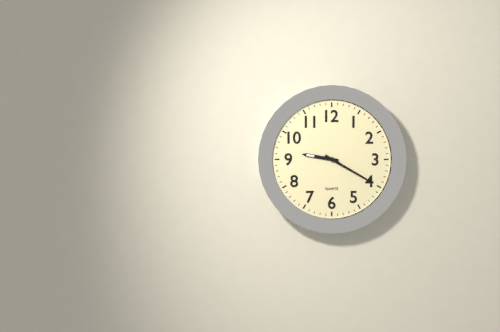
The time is h=9 m=20
